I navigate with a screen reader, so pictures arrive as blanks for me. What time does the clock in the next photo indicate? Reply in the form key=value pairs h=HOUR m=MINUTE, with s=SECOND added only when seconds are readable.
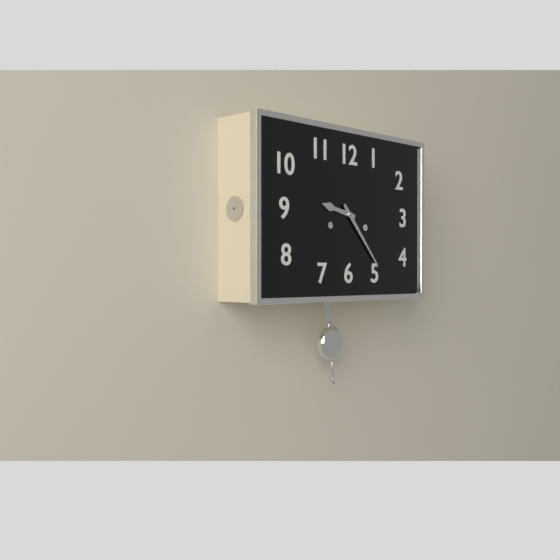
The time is h=9 m=23
